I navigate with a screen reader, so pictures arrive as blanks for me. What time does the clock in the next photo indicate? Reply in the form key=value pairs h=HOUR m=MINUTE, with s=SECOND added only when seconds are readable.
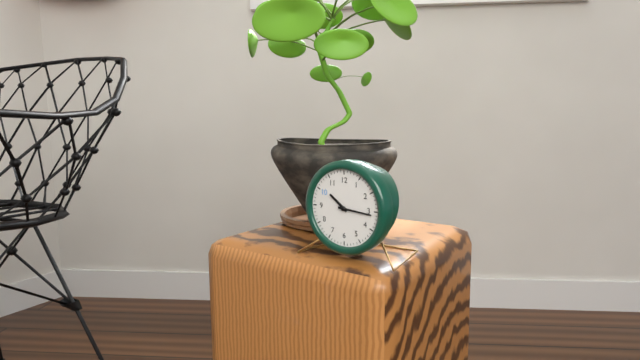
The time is h=10 m=16
